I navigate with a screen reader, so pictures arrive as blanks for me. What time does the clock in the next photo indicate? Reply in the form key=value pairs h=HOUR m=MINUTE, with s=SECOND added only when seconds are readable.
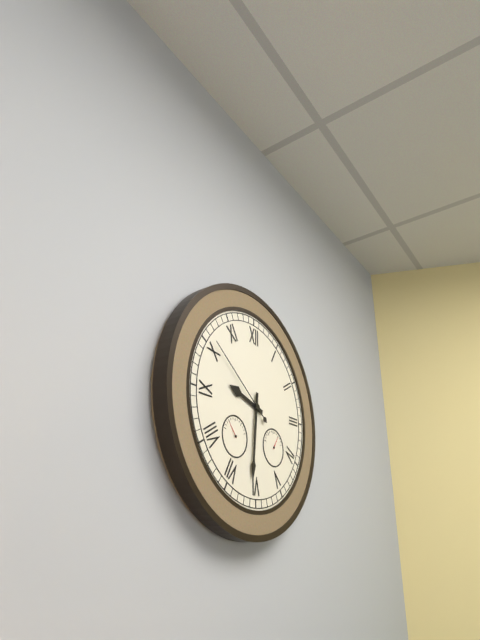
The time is h=9 m=31 s=51
